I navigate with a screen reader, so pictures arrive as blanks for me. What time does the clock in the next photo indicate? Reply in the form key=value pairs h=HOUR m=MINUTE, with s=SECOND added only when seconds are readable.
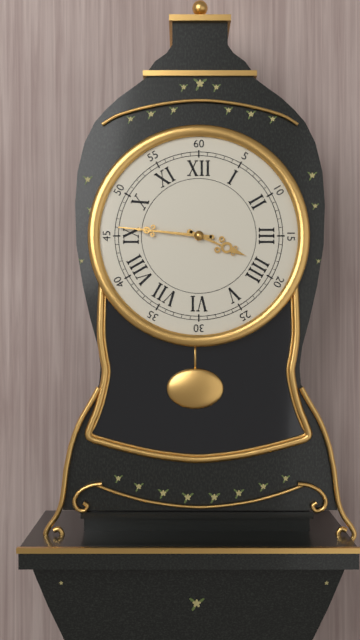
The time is h=3 m=46
